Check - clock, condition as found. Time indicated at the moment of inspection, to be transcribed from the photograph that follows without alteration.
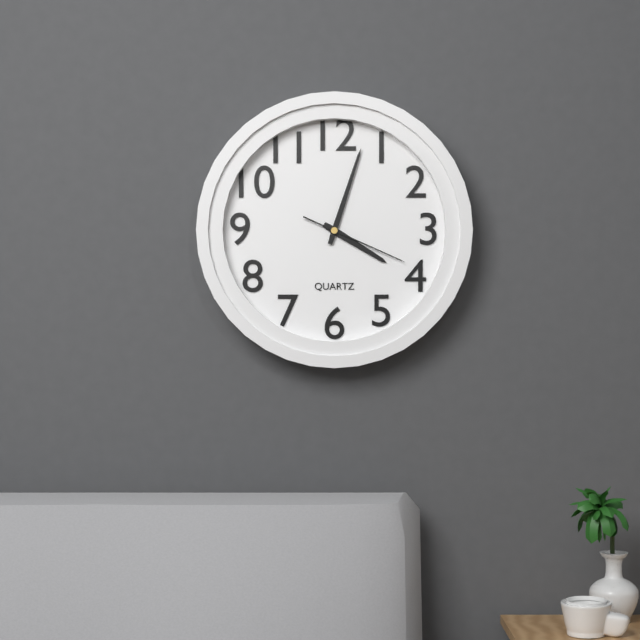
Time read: 4:03:19
